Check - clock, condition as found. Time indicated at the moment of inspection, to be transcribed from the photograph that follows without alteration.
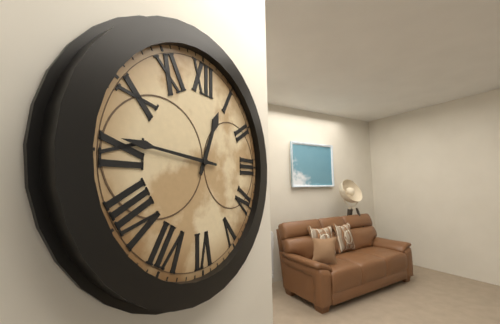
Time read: 12:46
